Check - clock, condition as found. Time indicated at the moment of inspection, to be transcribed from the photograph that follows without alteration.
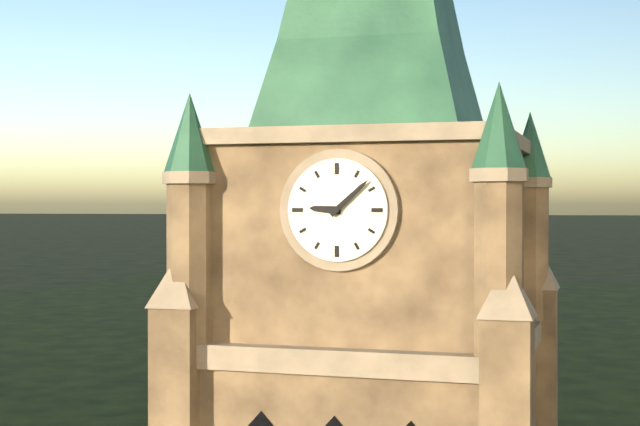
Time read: 9:08
